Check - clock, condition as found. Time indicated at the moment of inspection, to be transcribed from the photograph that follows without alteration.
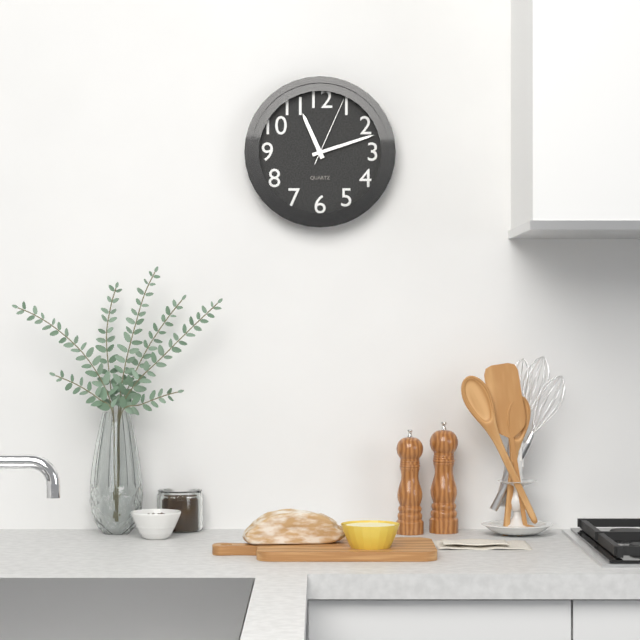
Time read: 11:12:04
